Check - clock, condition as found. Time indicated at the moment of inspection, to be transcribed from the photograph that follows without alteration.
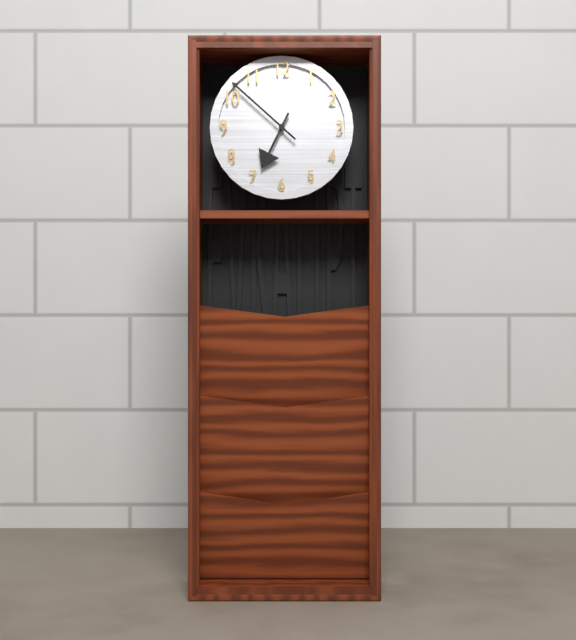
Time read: 6:52
